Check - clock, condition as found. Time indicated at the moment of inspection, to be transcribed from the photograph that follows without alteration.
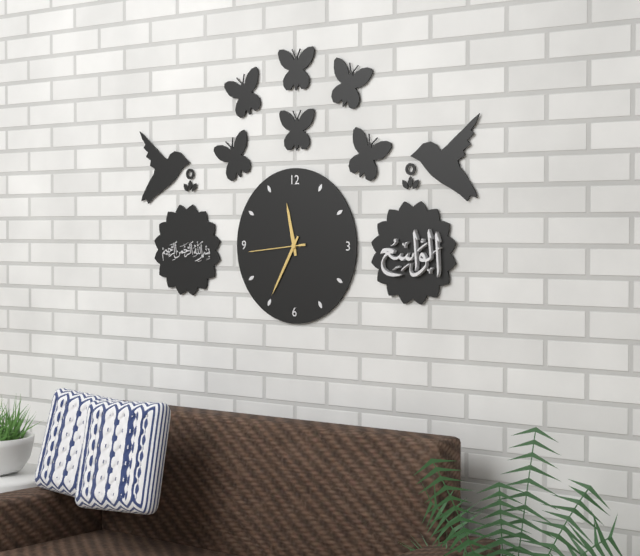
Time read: 11:35:44
